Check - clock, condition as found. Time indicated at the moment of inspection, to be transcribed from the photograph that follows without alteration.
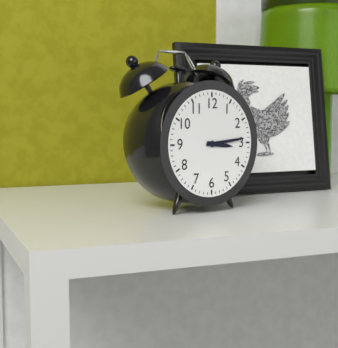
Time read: 3:14
